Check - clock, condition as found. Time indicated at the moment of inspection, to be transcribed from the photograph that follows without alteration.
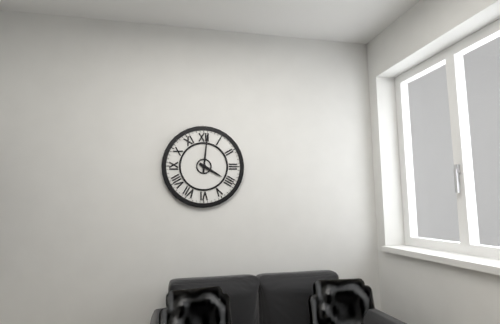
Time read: 4:01
